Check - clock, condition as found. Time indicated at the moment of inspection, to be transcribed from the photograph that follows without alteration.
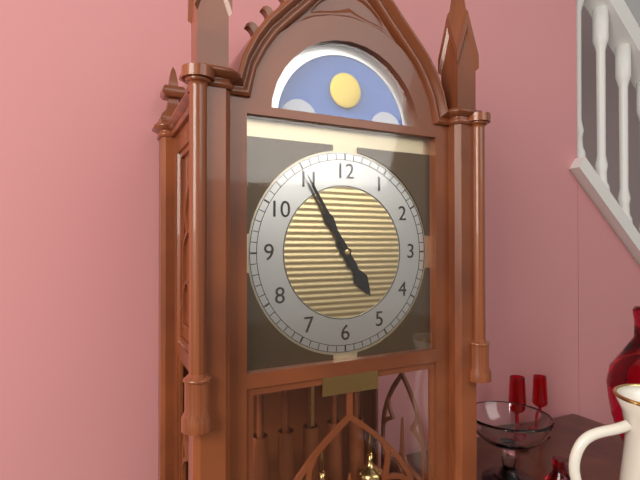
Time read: 4:55
